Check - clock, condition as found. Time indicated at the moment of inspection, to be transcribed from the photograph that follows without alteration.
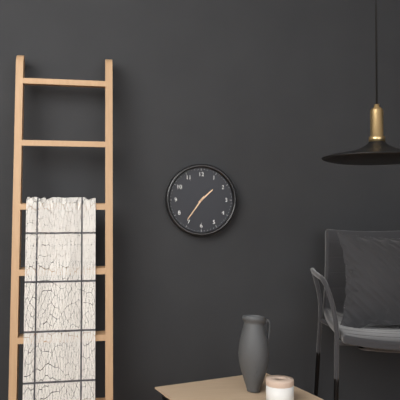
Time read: 1:36
